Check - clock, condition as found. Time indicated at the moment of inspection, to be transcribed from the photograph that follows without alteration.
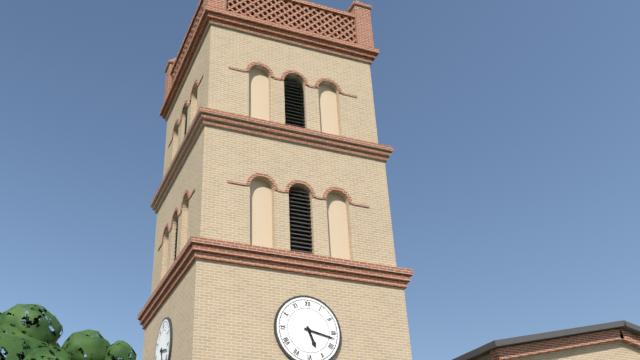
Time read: 5:17
